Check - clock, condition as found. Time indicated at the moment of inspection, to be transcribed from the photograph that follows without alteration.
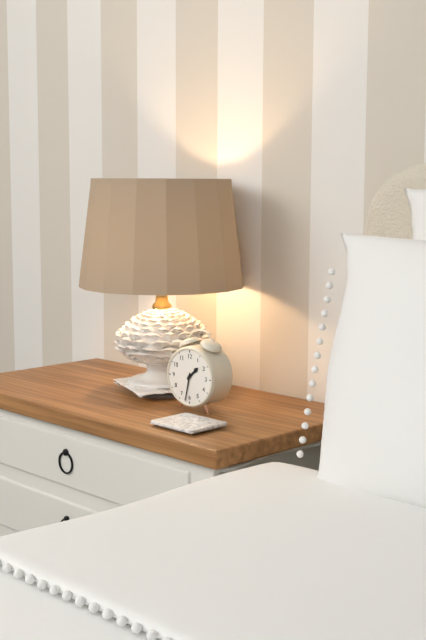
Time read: 1:32
